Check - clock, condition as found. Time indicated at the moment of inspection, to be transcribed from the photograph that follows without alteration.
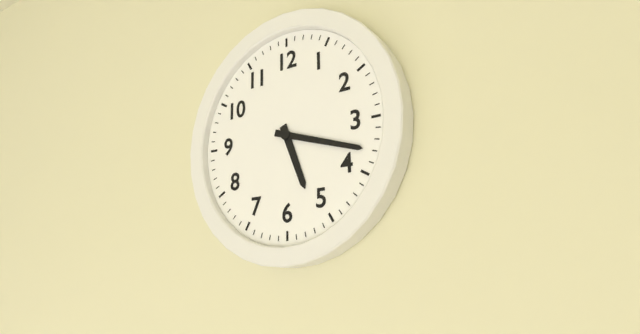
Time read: 5:18
